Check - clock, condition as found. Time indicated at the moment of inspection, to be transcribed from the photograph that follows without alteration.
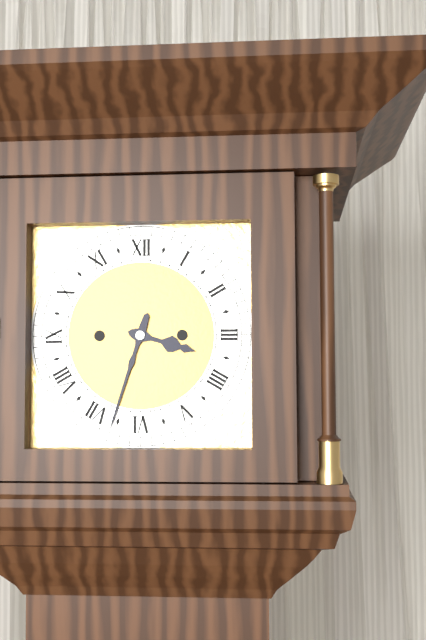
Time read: 3:33
